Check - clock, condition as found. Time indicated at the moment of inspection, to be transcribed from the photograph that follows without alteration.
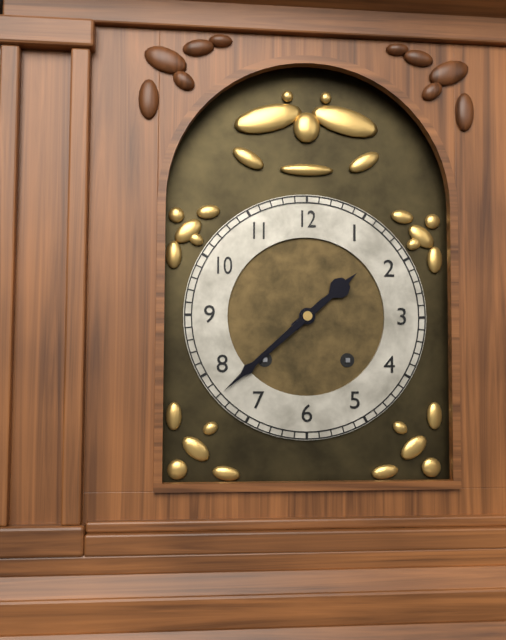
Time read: 1:38
